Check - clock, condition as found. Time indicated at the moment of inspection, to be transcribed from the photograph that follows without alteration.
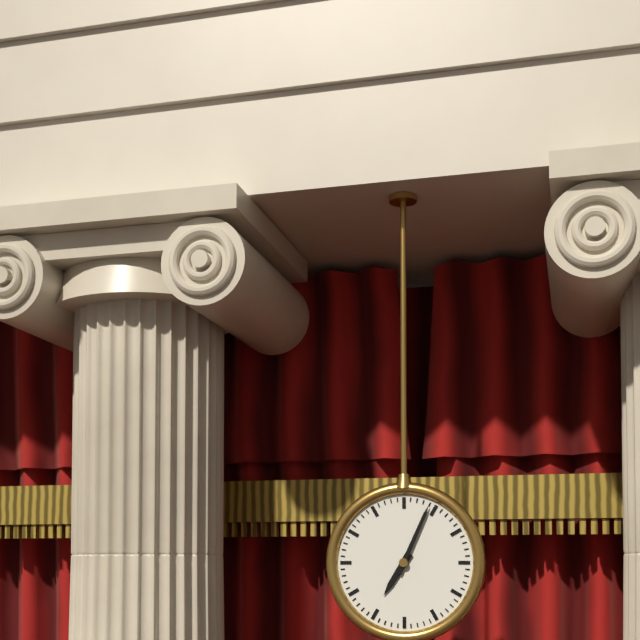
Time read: 7:04
